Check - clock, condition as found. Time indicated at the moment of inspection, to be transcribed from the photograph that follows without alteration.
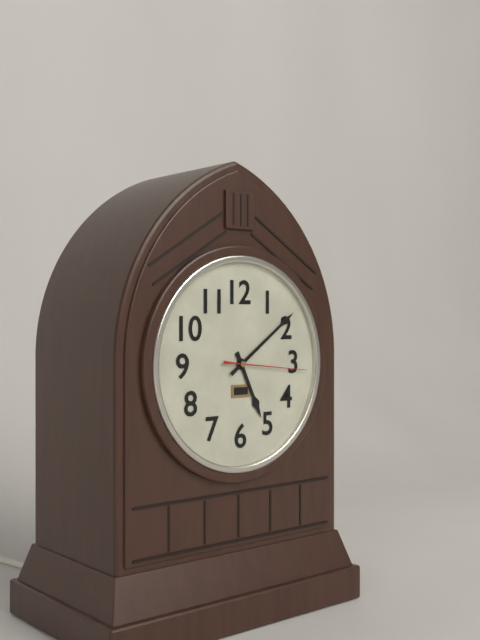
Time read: 5:09:16
